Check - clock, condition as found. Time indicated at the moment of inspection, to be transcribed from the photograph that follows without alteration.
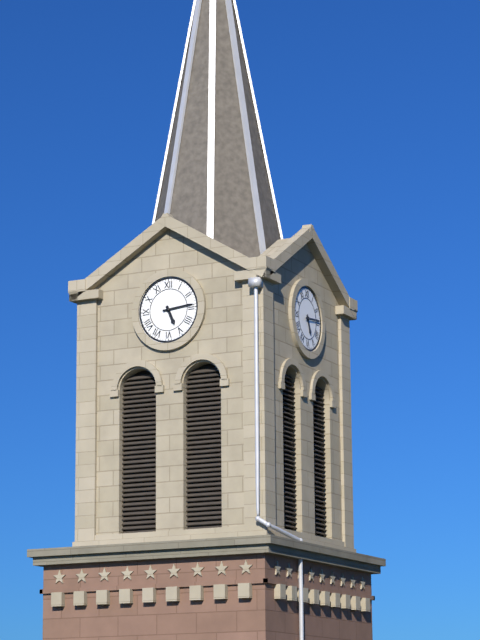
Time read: 5:14
